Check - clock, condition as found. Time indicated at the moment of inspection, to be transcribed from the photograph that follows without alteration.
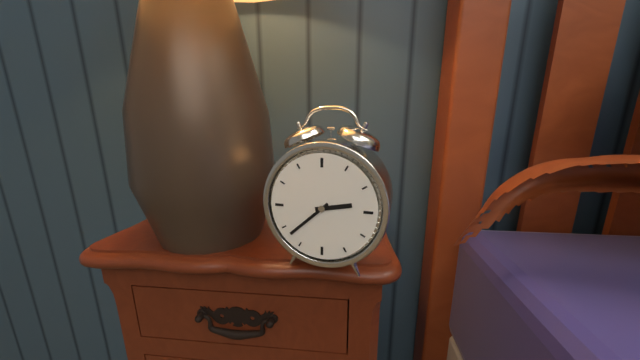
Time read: 2:38
